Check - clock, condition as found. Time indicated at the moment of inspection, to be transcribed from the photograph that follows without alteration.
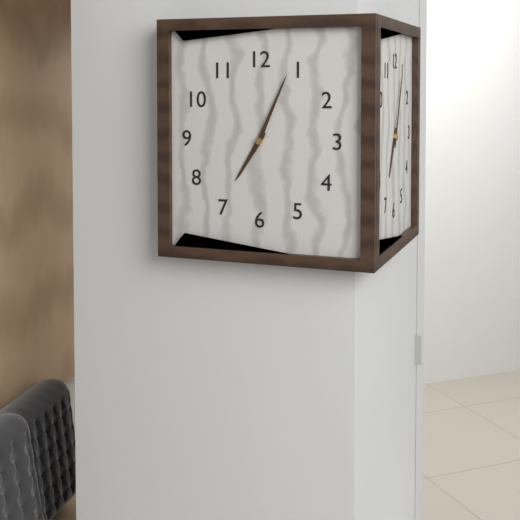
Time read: 7:04
